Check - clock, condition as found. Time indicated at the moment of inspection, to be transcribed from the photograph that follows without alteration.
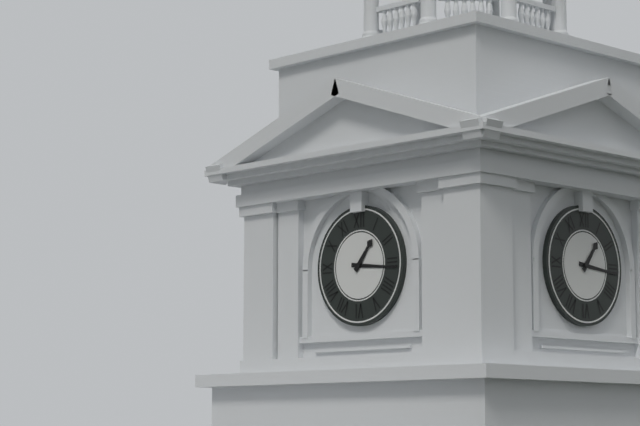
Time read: 1:16
